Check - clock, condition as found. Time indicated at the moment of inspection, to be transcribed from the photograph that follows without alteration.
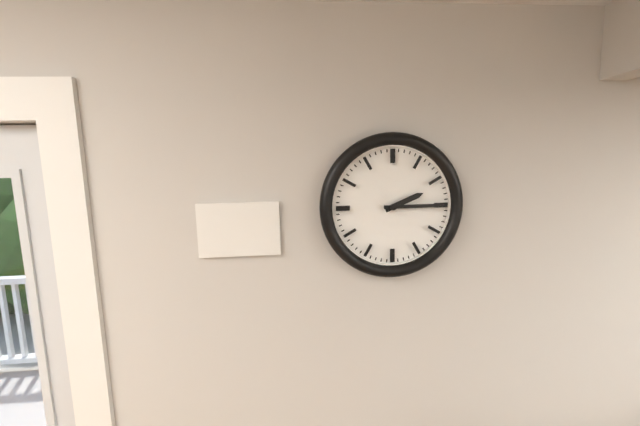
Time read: 2:15
